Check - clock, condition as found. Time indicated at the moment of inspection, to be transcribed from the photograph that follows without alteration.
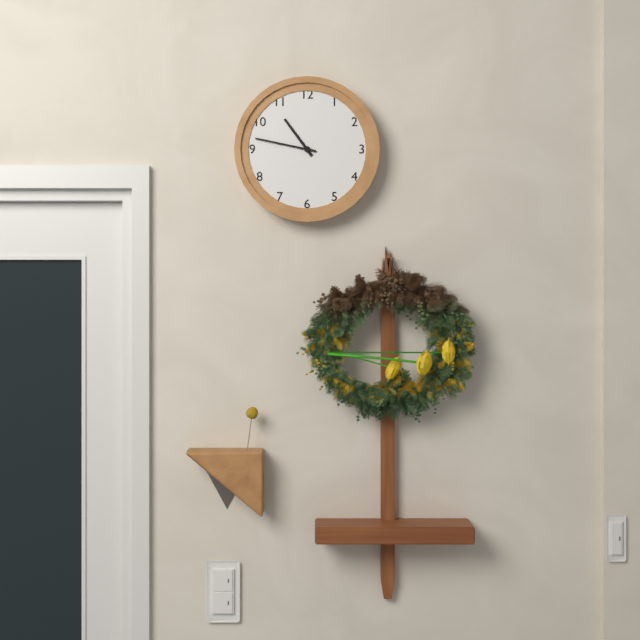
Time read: 10:47
